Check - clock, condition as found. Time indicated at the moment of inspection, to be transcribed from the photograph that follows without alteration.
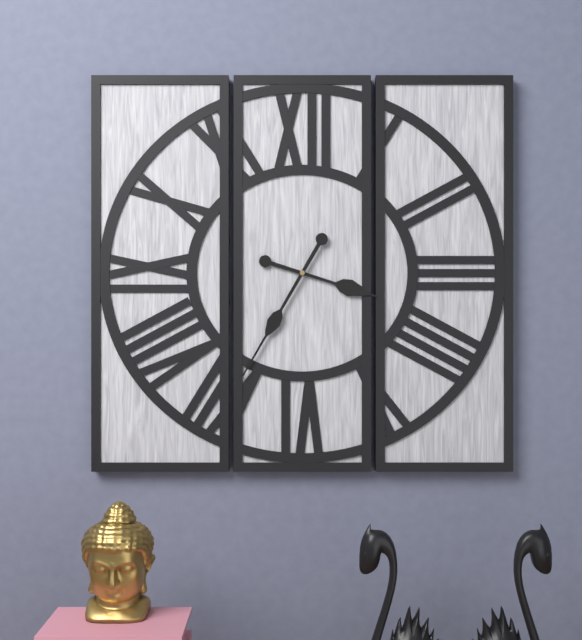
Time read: 3:35
